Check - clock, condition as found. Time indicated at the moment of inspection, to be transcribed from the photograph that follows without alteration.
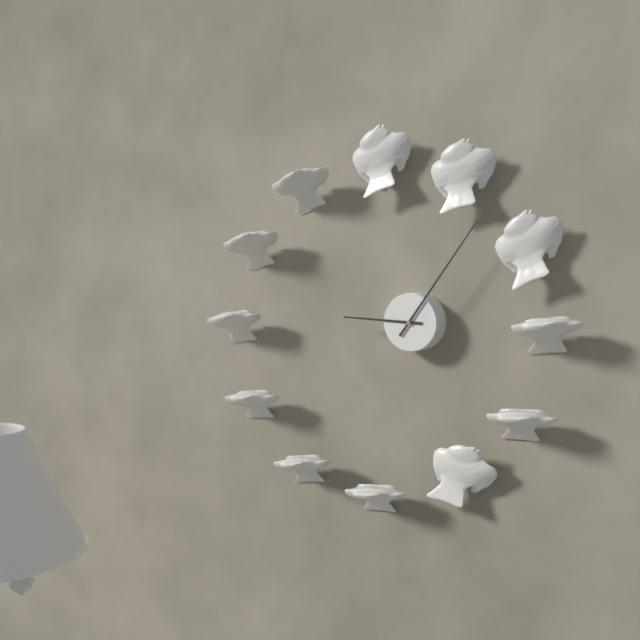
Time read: 9:06
